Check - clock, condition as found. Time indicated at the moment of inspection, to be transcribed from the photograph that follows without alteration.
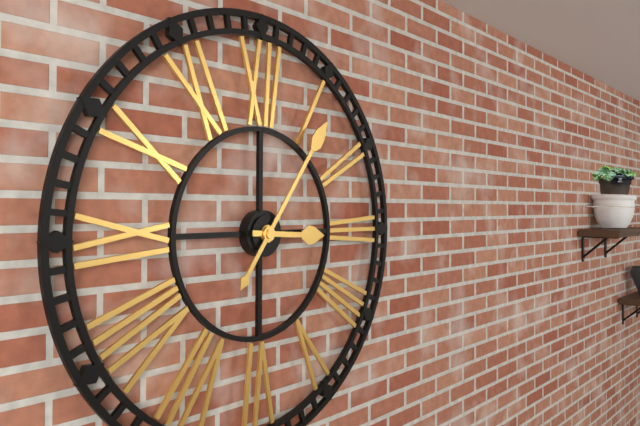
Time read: 3:06
